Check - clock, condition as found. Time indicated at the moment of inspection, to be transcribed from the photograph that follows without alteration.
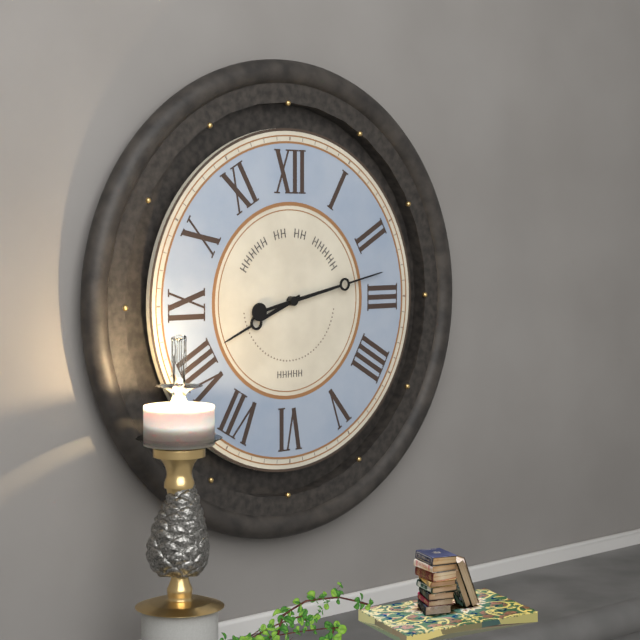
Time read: 8:13
